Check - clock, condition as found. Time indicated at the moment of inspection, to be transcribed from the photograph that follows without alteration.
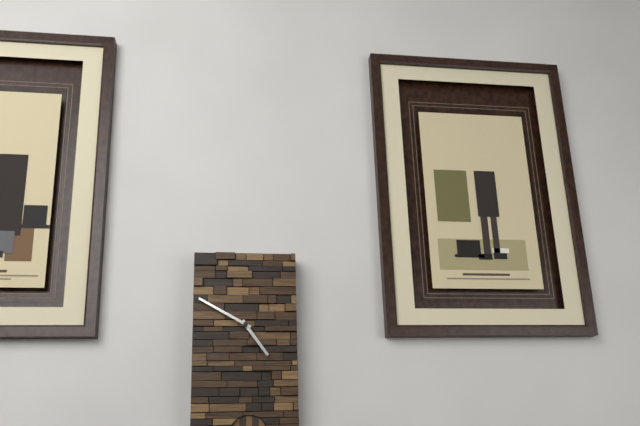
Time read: 4:50
